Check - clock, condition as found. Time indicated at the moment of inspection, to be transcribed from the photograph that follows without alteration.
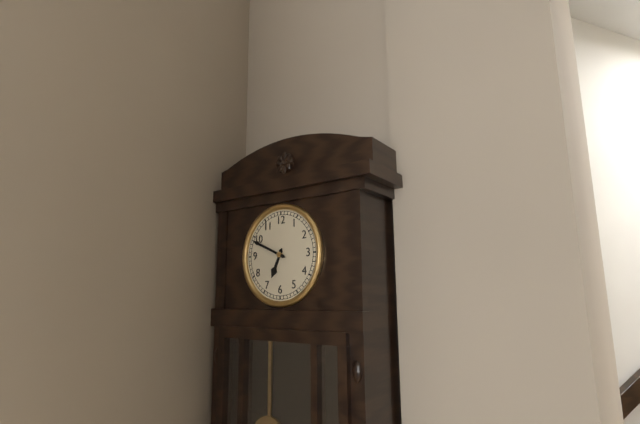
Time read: 6:49
